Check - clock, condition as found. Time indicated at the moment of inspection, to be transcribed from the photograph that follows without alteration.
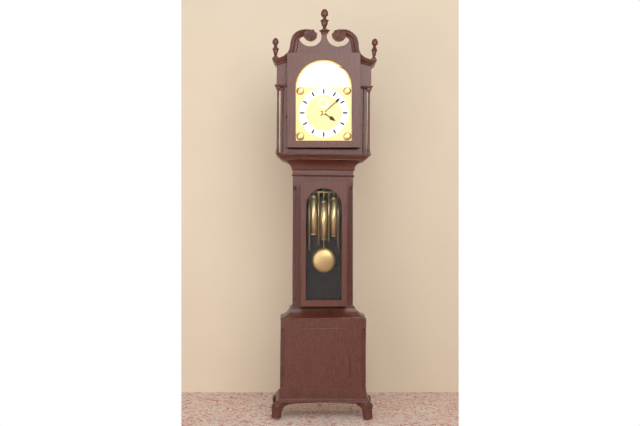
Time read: 4:08
